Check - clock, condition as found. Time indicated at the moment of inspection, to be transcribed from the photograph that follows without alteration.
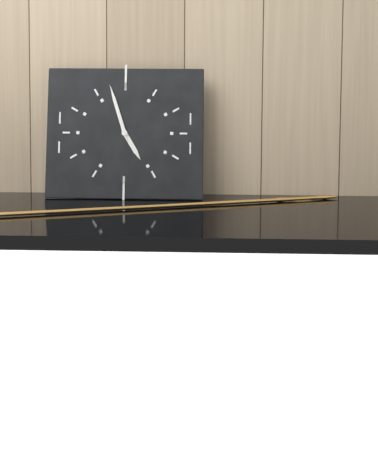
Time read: 4:57
